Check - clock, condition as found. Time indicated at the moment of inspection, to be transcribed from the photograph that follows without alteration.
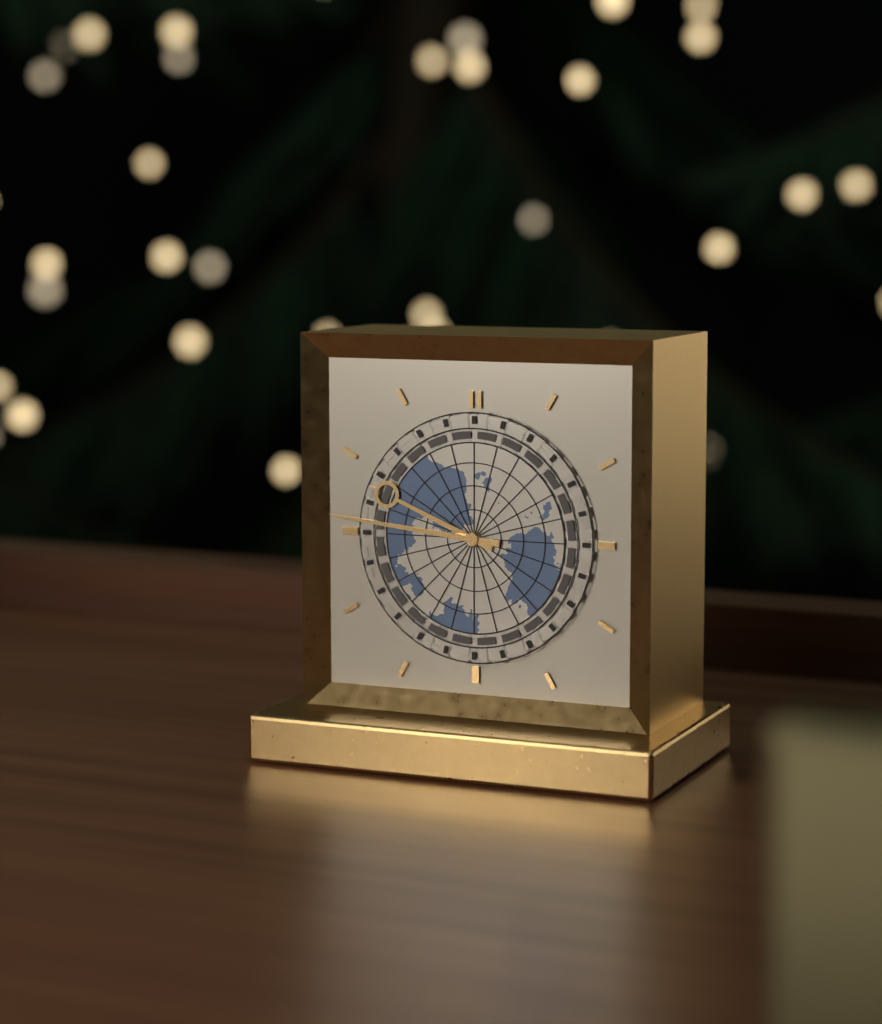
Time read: 9:46
